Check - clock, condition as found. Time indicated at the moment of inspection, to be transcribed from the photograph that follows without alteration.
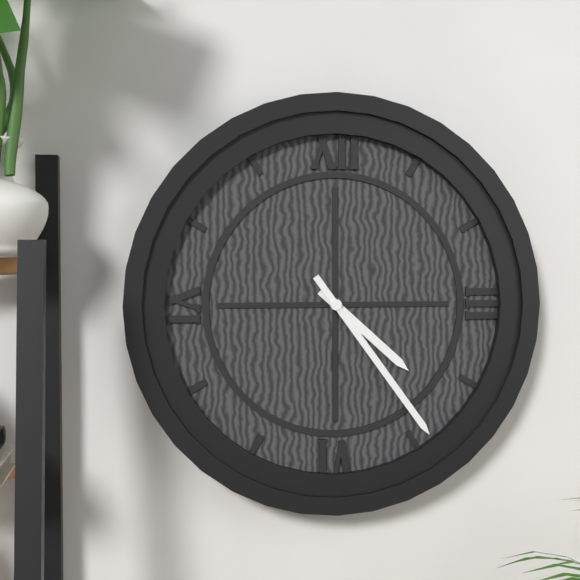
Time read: 4:24
